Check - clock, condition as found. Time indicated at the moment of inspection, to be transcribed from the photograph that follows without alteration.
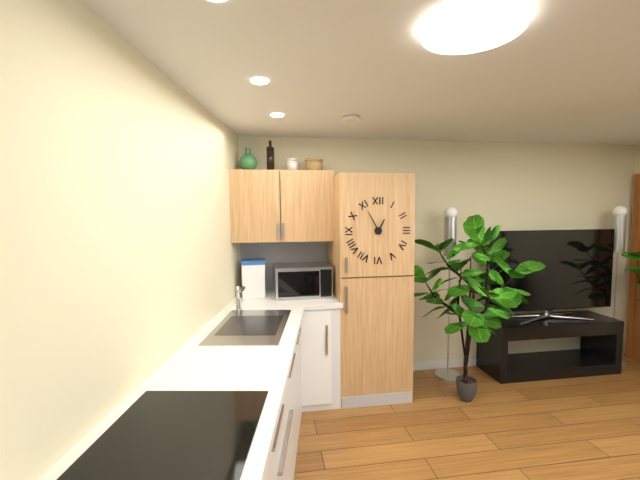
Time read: 12:55
